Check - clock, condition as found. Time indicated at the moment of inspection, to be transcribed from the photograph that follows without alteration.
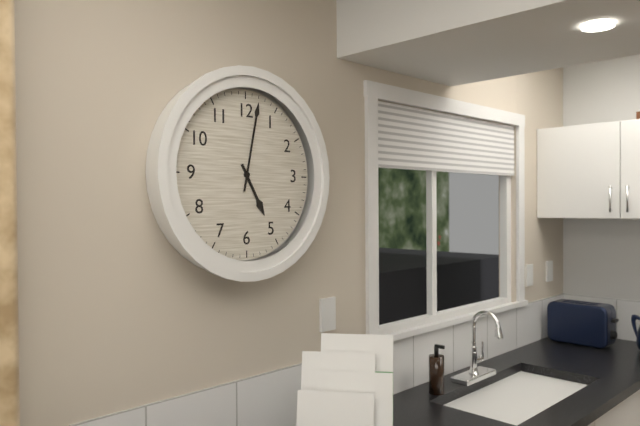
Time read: 5:02
